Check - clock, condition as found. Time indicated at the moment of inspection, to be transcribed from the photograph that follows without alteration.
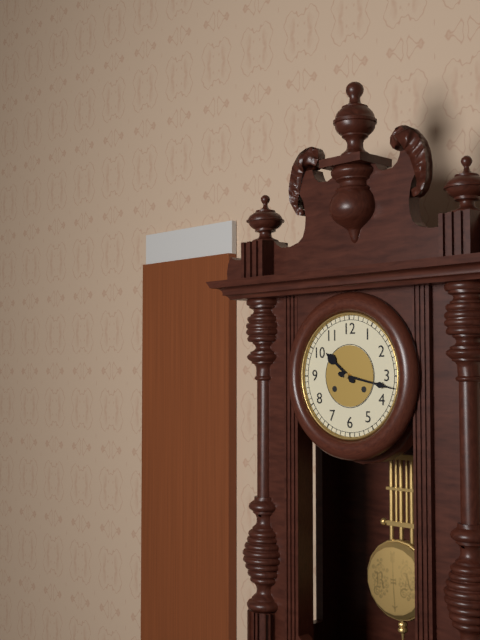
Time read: 10:17
